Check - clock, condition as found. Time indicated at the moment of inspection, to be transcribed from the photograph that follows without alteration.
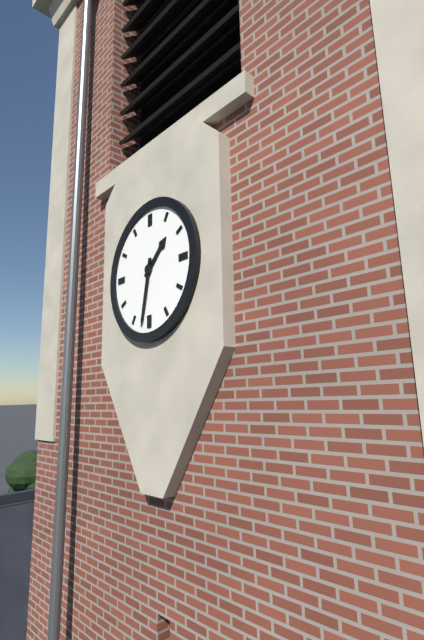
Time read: 1:32
